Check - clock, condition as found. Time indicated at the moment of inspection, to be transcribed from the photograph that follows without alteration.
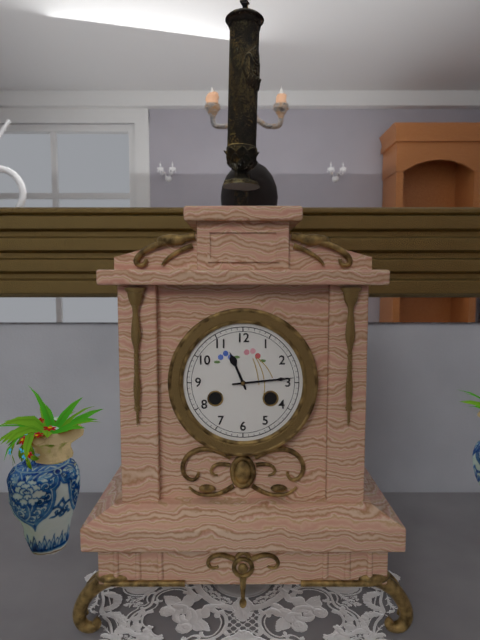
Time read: 11:14
